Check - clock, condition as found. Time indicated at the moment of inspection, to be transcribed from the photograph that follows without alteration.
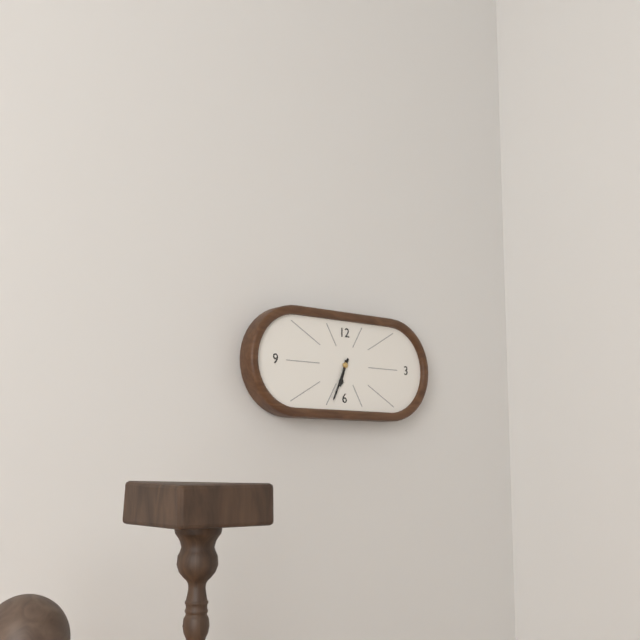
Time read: 6:34
